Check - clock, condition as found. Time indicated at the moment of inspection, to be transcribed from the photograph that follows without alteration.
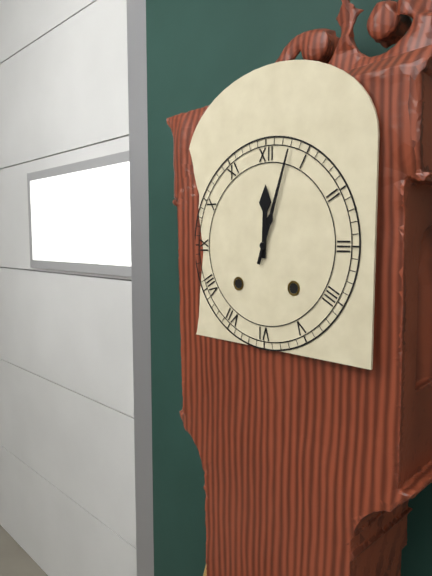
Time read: 12:03
